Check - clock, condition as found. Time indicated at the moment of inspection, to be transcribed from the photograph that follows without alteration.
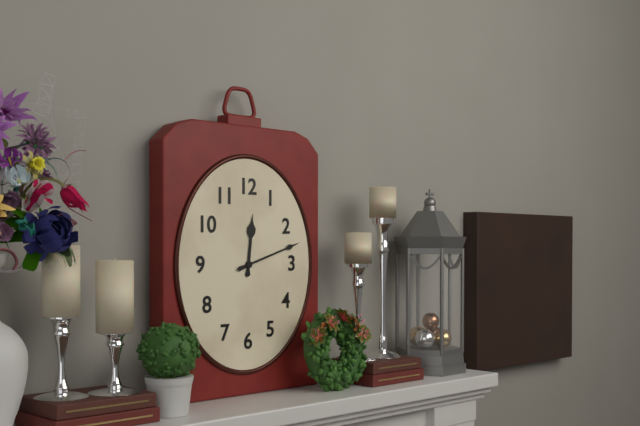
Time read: 12:12
